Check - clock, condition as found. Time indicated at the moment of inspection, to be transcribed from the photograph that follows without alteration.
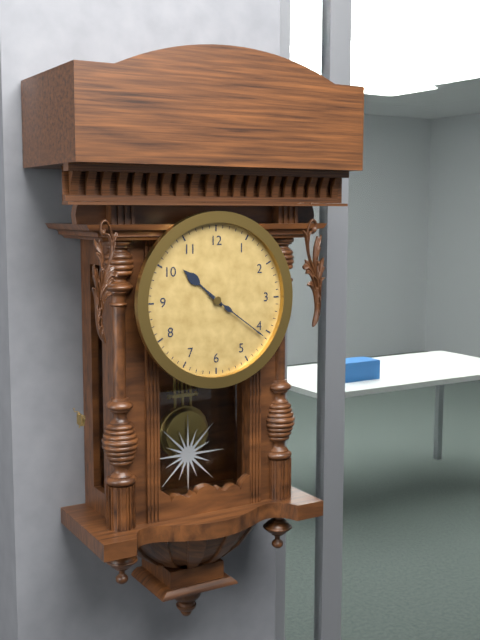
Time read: 10:21
